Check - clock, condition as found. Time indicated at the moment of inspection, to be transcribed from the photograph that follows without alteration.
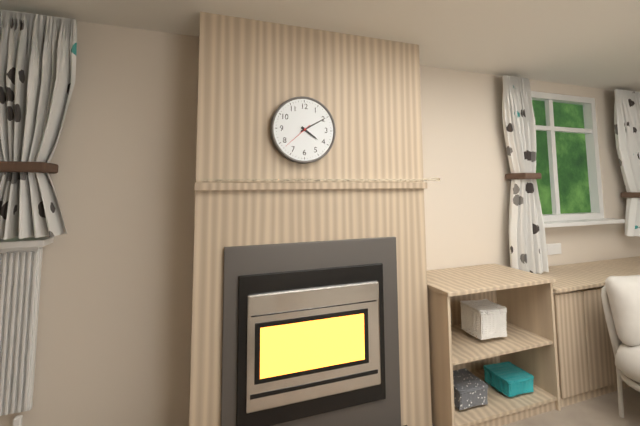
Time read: 4:10
